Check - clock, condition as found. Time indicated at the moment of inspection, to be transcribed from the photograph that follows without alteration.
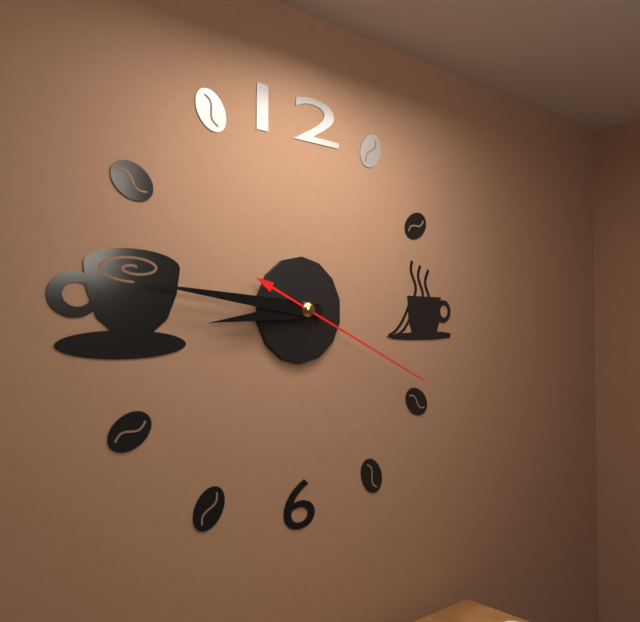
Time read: 8:46:19
